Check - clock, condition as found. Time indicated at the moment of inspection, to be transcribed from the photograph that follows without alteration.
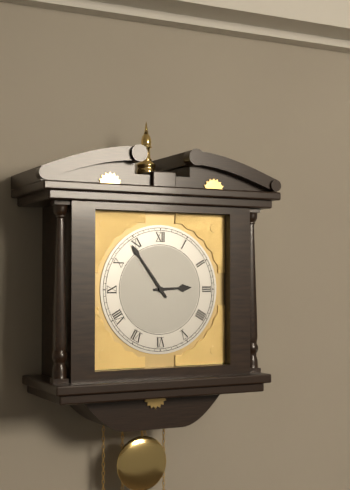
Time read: 2:54
